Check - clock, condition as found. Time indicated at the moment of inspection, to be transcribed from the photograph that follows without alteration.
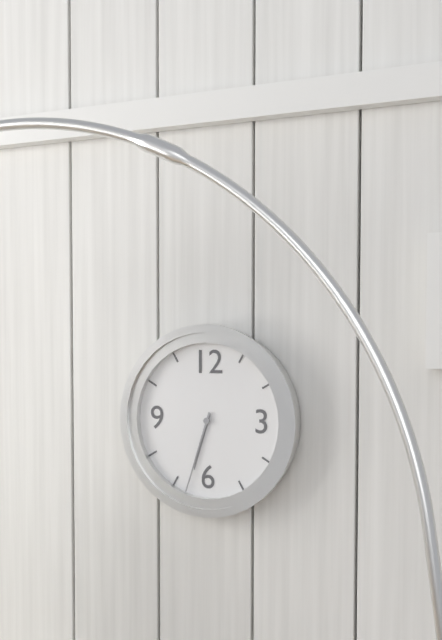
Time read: 6:33
